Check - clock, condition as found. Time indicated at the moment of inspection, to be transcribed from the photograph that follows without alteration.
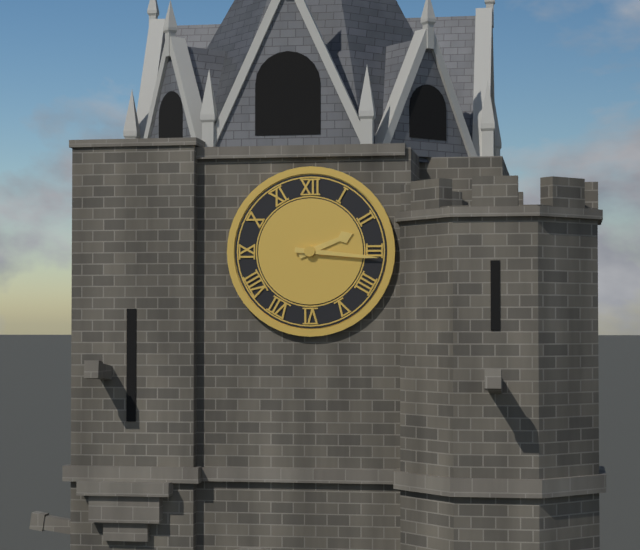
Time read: 2:16
